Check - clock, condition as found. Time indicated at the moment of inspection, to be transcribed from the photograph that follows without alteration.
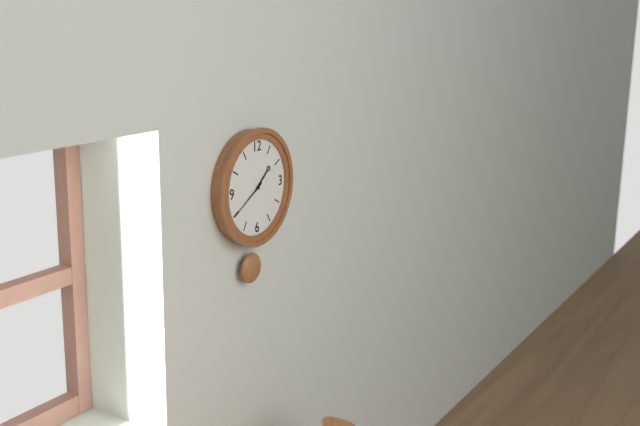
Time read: 1:40
